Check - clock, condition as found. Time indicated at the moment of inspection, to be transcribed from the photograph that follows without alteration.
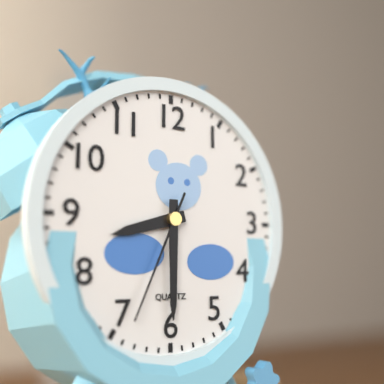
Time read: 8:30:34
